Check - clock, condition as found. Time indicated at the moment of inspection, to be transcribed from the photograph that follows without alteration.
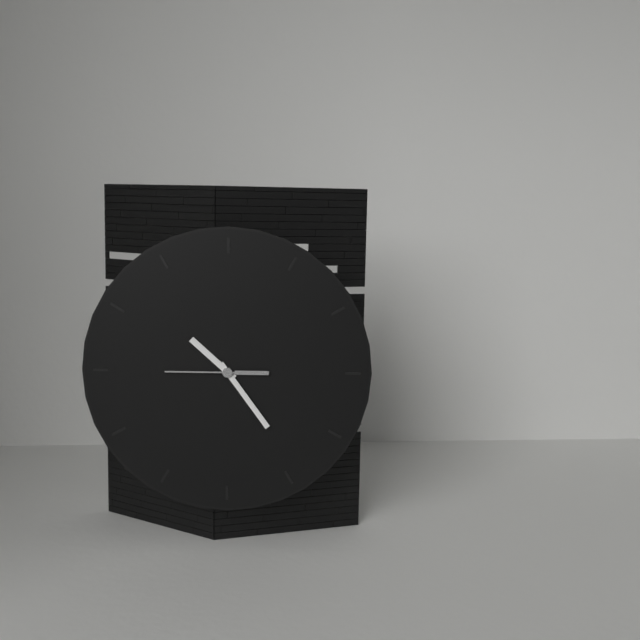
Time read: 10:24:45
